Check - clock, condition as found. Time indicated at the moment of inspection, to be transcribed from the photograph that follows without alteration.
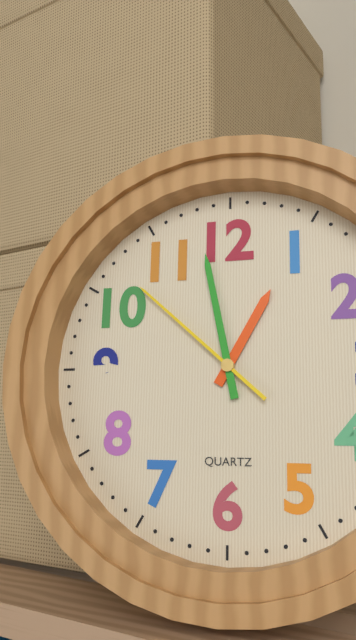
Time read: 12:58:52
